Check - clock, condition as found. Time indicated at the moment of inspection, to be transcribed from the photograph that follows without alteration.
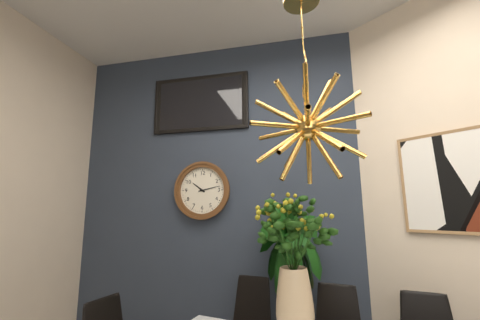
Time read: 10:13
